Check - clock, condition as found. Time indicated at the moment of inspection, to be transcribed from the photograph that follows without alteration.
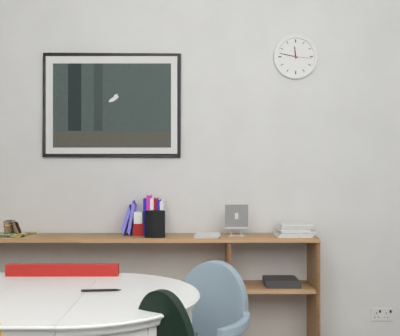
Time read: 11:47
